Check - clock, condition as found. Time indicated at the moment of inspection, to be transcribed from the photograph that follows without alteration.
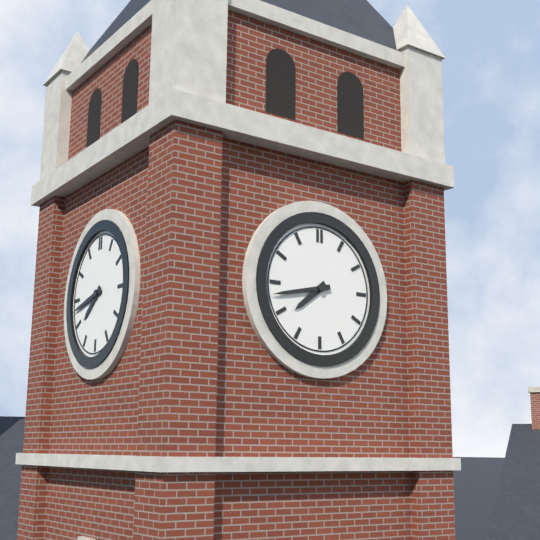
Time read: 7:43
